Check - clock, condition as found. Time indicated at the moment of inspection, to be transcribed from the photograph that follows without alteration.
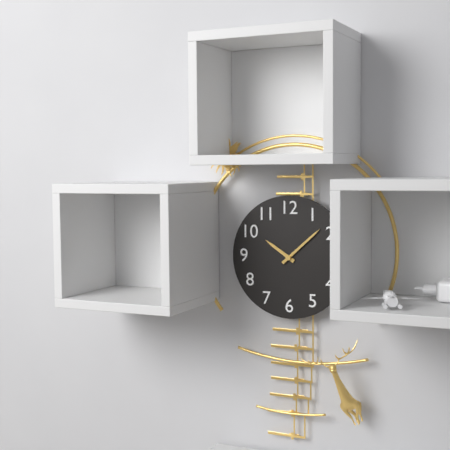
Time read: 10:08
